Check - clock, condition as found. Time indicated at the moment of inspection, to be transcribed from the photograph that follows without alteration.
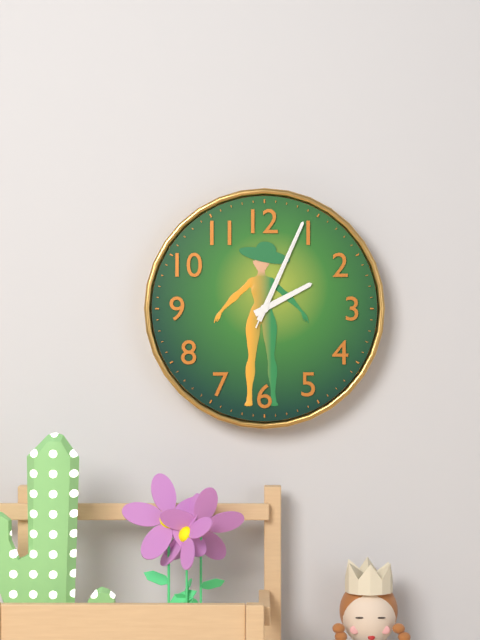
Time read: 2:04:04
